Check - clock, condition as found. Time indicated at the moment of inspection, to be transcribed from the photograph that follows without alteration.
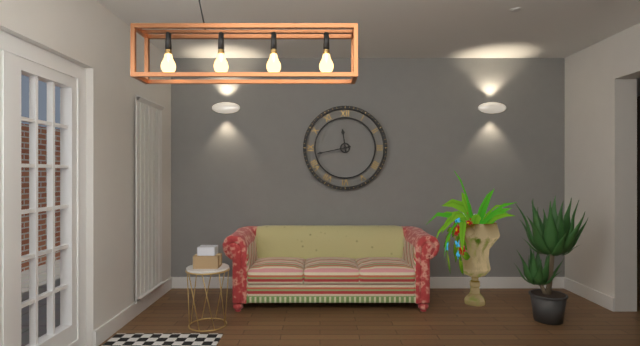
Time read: 11:43
